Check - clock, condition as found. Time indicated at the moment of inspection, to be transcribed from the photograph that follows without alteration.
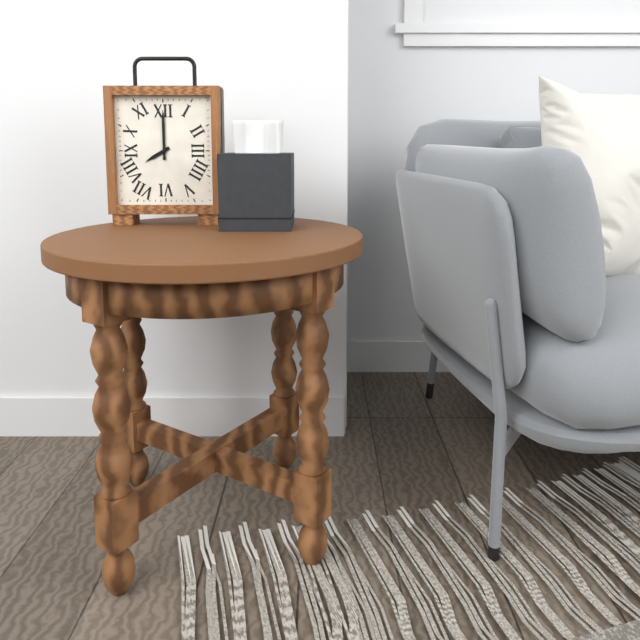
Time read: 8:00
